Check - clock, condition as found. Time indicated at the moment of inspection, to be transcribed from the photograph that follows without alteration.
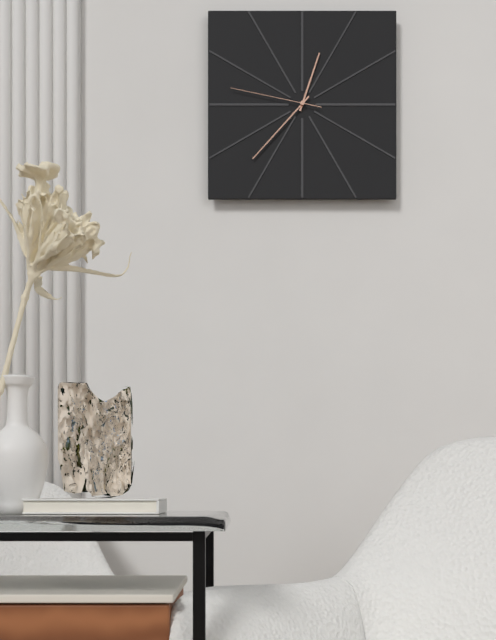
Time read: 12:37:47
